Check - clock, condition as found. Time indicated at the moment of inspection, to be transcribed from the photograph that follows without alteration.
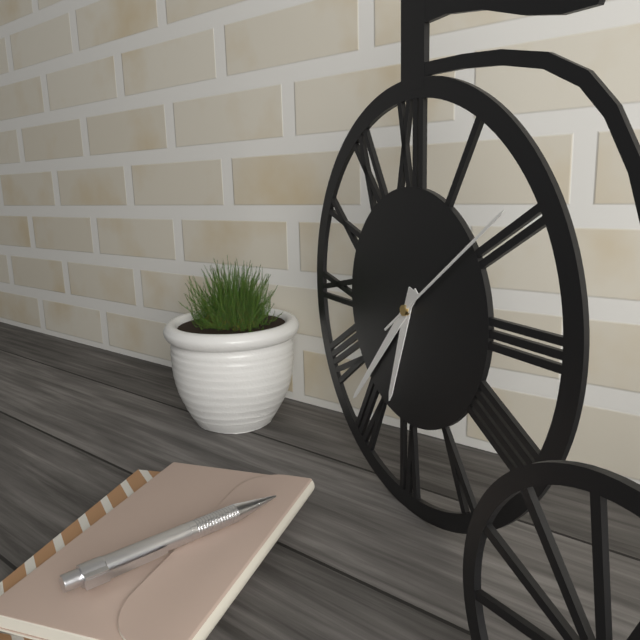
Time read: 6:37:09
